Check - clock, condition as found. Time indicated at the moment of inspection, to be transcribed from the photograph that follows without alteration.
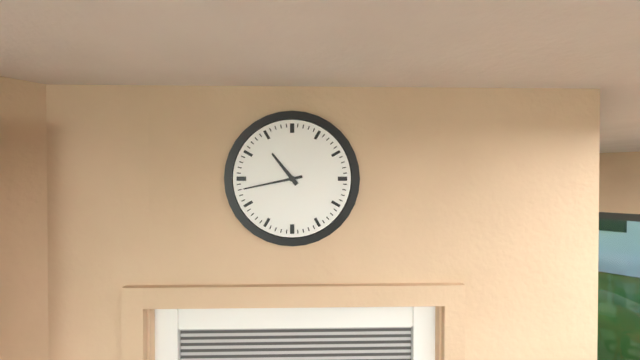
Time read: 10:43
